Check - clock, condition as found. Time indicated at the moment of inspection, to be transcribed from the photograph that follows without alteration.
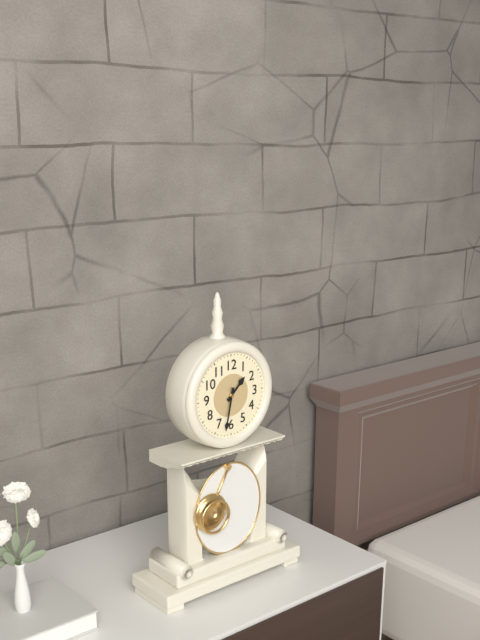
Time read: 1:32
